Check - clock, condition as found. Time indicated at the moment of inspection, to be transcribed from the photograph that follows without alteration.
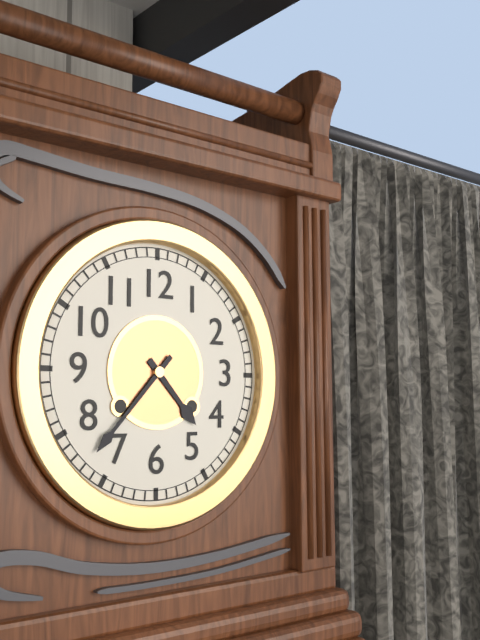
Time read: 4:37
